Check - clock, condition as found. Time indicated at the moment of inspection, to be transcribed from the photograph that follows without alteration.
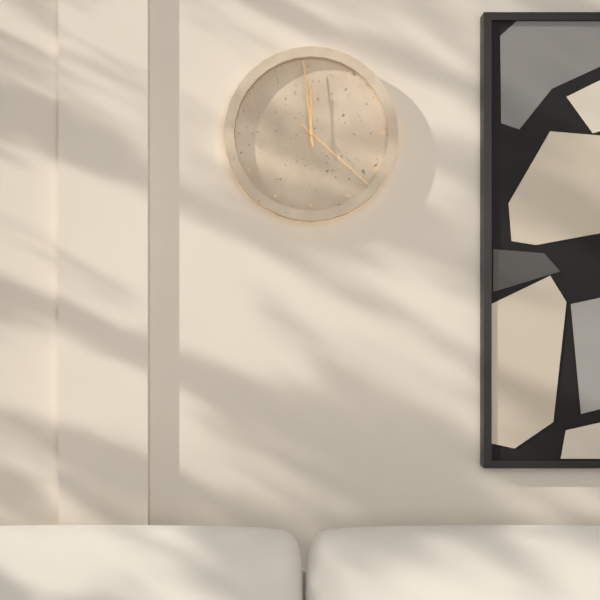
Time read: 11:59:22
